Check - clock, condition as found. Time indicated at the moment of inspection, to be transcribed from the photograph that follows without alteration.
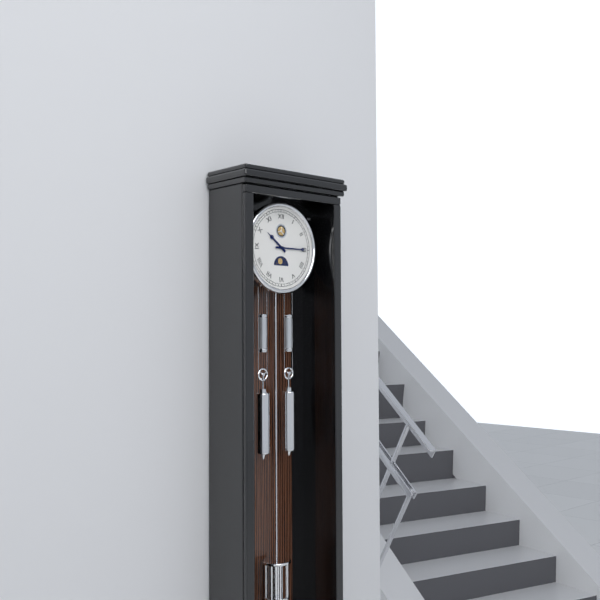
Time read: 10:15
